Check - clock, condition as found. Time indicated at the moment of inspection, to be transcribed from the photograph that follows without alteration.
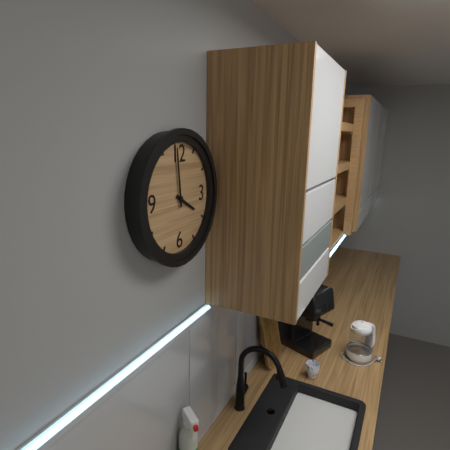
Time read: 3:59
